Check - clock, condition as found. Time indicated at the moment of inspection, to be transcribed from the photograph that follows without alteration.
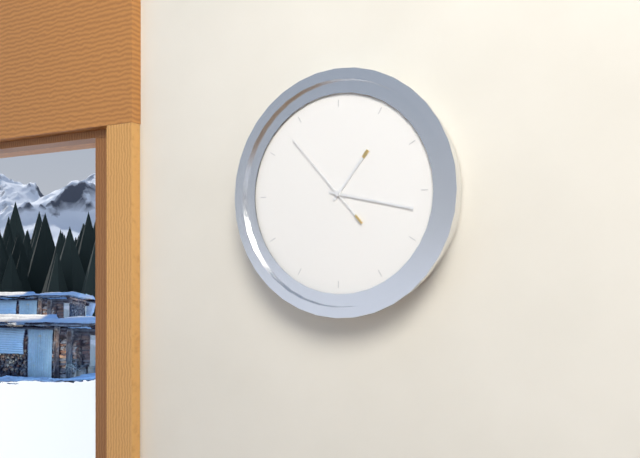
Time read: 1:17:53
